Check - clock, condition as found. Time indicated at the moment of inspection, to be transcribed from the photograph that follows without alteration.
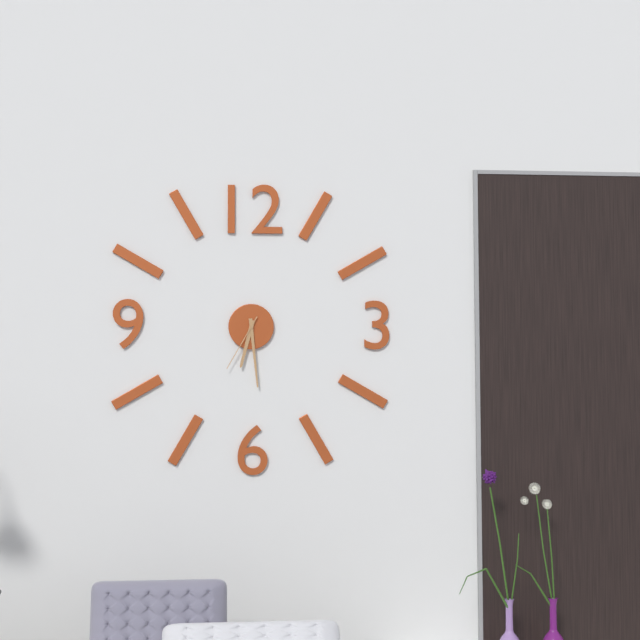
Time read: 6:29:35
